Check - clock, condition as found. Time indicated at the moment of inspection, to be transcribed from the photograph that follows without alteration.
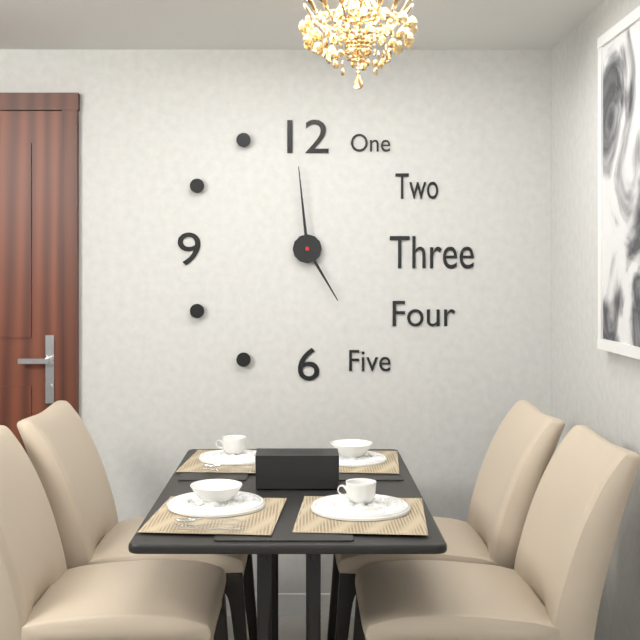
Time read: 4:59
